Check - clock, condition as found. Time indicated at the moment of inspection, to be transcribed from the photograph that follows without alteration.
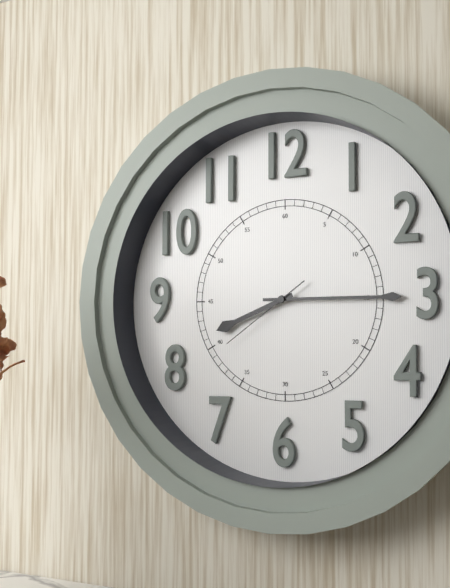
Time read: 8:15:39
